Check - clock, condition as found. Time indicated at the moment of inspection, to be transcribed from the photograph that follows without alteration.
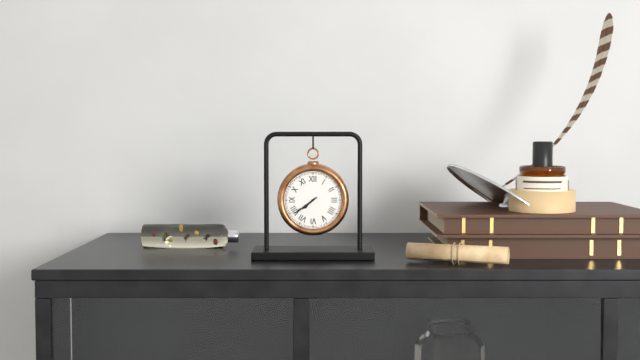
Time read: 7:39
